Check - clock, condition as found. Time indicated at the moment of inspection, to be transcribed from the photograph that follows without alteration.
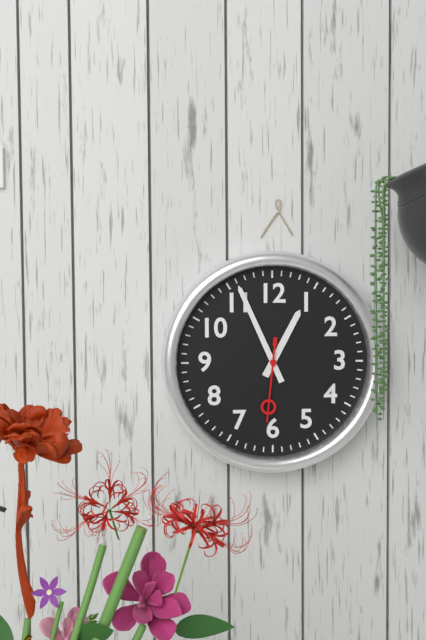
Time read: 12:56:31
